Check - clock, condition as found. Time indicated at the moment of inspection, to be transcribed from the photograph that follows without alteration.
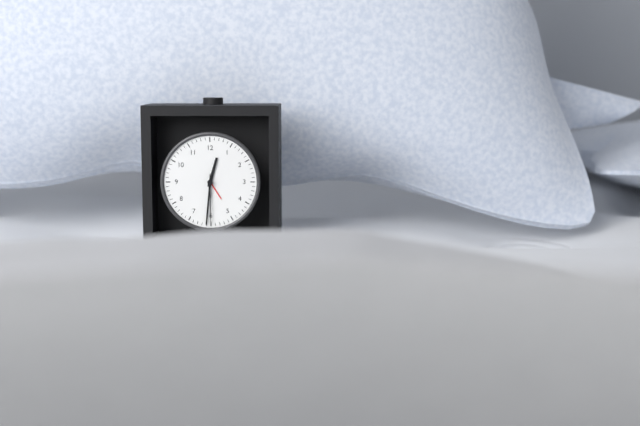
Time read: 12:31:30
